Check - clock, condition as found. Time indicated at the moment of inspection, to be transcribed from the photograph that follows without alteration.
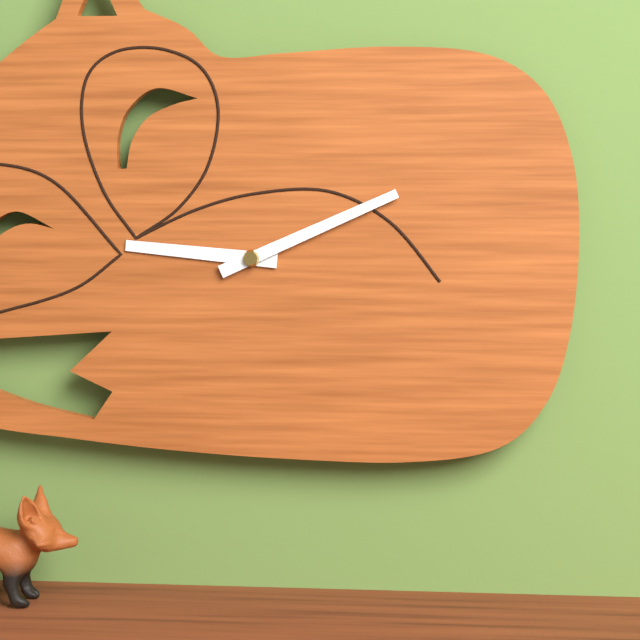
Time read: 9:11
